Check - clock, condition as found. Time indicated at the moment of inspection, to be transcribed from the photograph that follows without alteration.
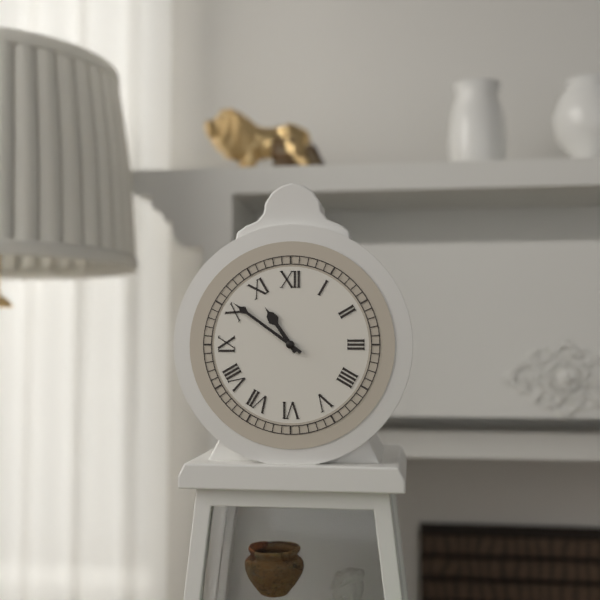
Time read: 10:51
